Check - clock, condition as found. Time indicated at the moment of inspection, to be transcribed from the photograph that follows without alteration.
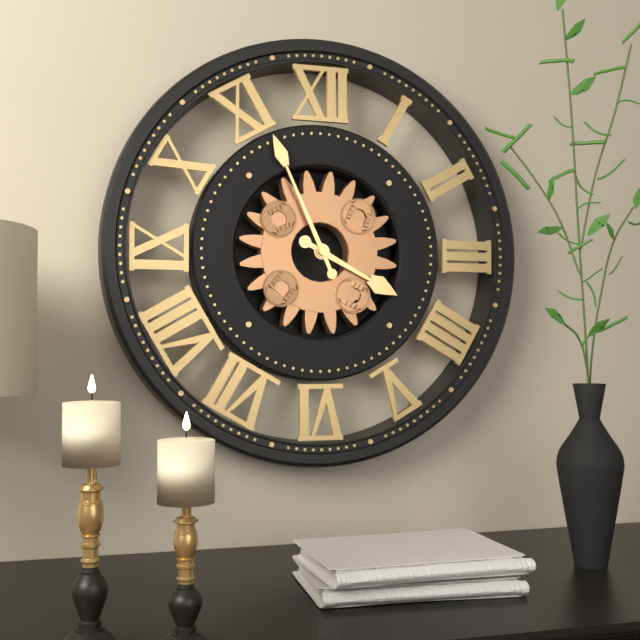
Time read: 3:56
